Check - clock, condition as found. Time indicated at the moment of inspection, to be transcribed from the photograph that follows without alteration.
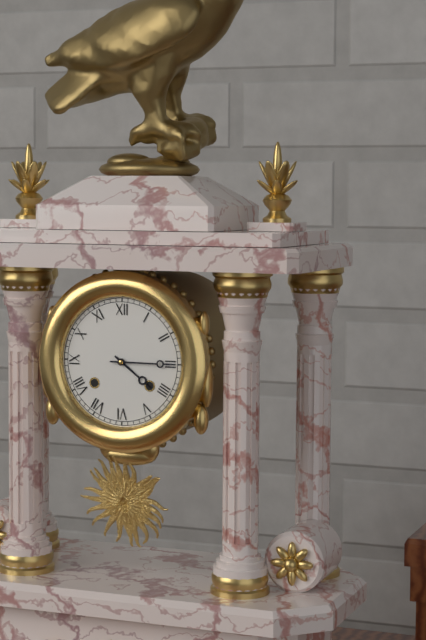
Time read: 4:15
